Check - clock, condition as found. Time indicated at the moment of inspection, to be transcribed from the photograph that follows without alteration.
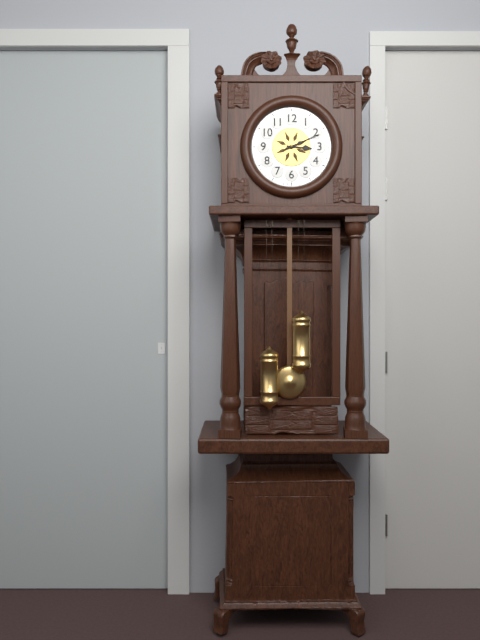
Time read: 3:11
